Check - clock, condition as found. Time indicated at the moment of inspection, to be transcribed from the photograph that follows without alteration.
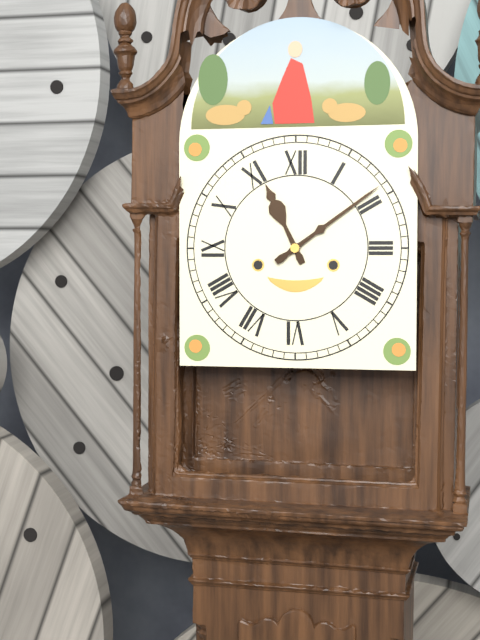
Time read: 11:09
